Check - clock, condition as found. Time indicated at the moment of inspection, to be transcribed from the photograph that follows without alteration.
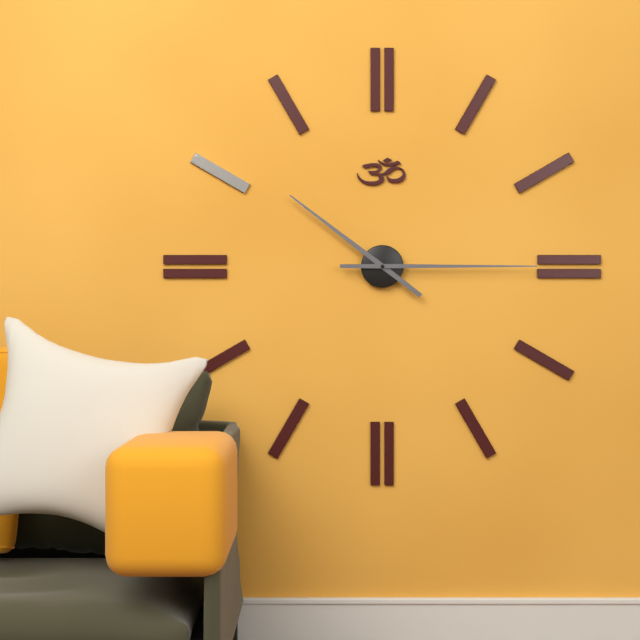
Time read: 10:15
